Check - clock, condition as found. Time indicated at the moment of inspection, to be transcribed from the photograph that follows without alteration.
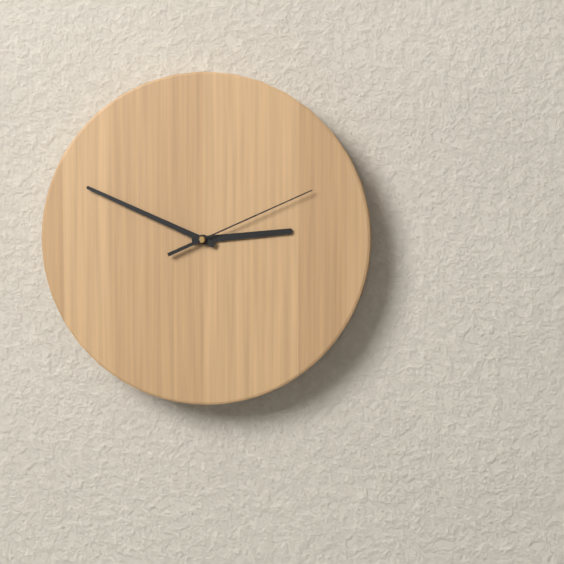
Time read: 2:49:11
